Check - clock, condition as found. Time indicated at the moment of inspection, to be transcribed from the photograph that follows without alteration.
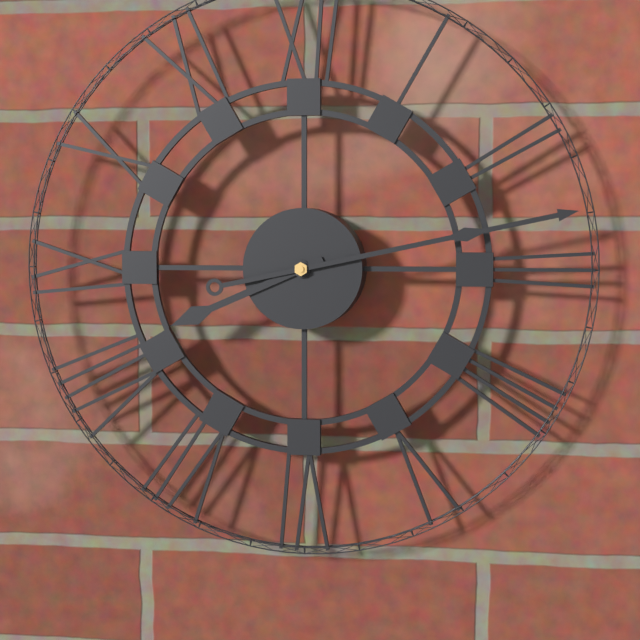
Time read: 8:13
